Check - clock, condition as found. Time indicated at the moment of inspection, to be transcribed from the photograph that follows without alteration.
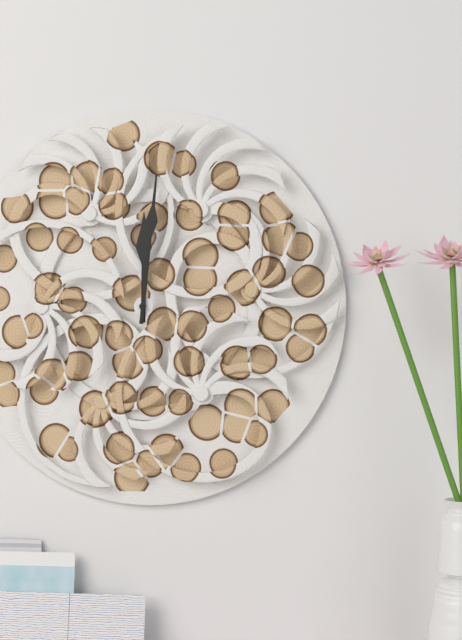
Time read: 12:01
